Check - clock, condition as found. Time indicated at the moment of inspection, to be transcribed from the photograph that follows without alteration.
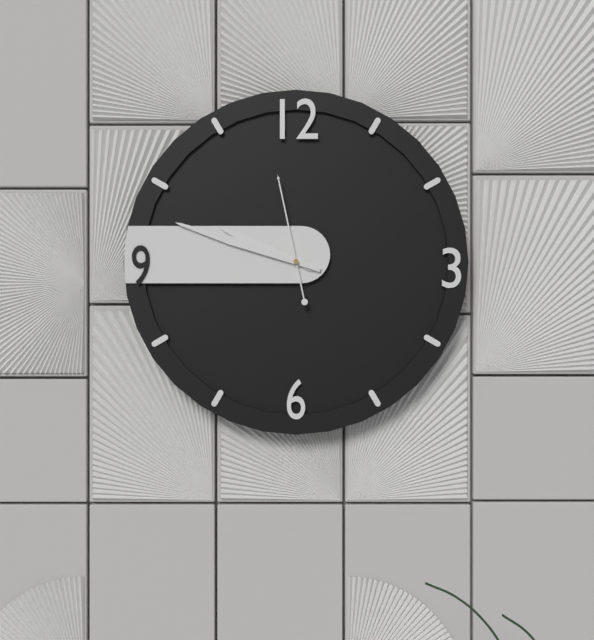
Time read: 9:48:58
